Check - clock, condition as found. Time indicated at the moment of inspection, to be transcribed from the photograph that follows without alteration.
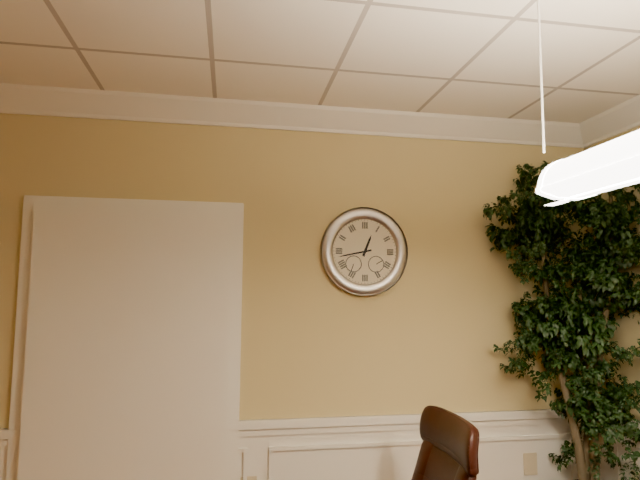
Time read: 12:43
